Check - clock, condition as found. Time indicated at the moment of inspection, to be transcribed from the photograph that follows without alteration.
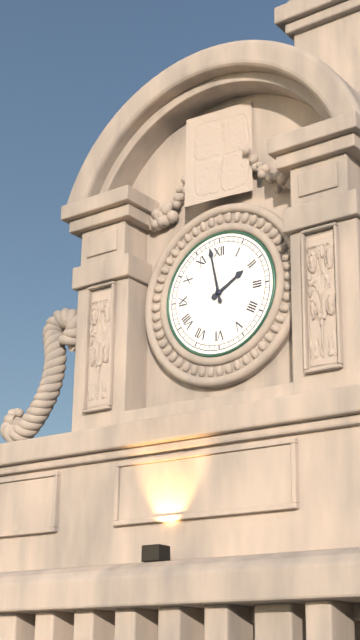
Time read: 1:58
